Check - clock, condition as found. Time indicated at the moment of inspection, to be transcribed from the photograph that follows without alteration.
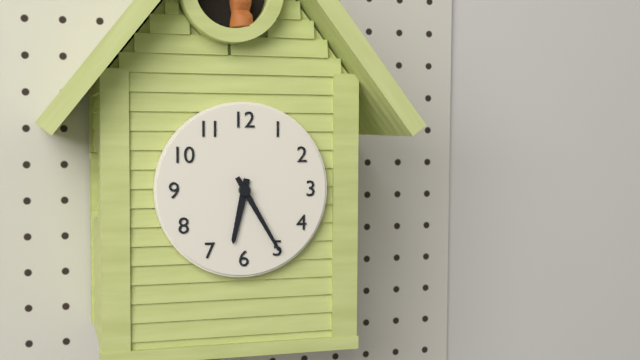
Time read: 6:25
